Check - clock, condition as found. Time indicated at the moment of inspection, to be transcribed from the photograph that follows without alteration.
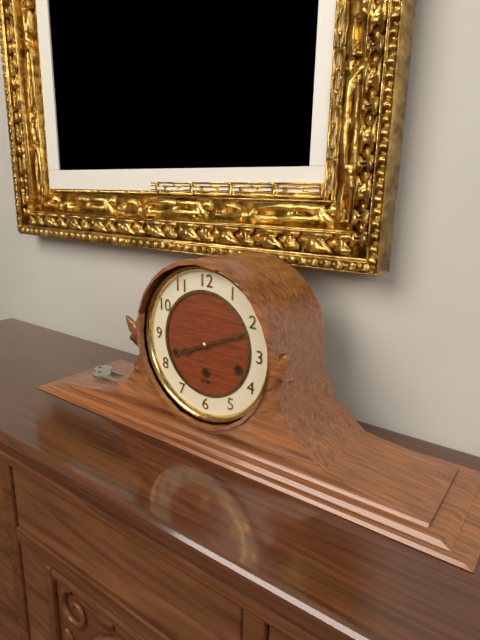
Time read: 8:11
